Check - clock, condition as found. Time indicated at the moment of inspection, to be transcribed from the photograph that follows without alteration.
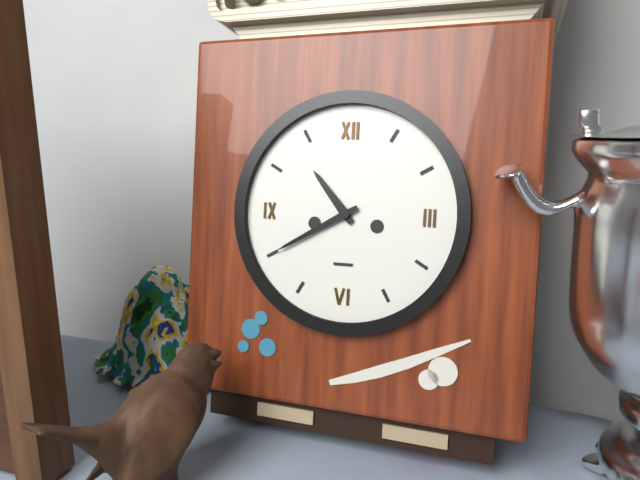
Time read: 10:40
